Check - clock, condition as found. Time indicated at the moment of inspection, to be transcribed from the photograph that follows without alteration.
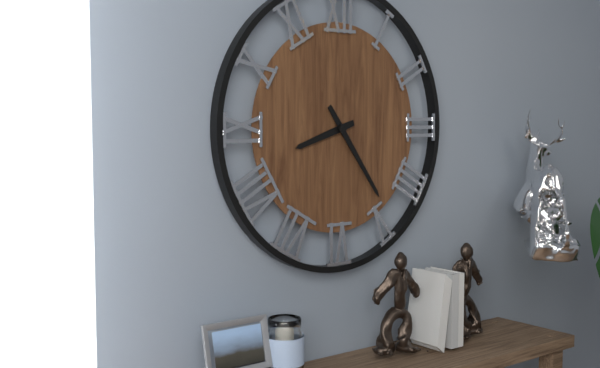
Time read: 8:24
